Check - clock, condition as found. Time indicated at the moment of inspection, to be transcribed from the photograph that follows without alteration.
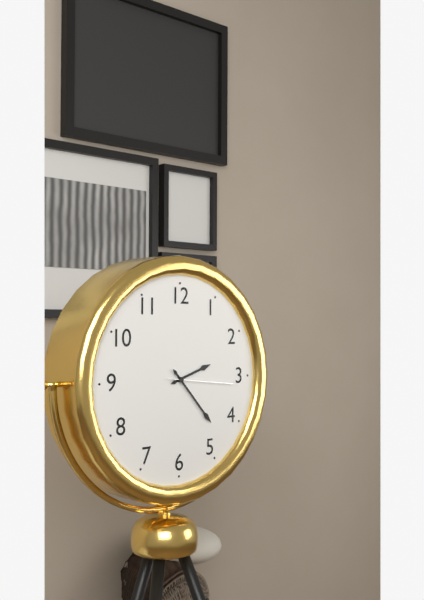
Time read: 2:23:16
